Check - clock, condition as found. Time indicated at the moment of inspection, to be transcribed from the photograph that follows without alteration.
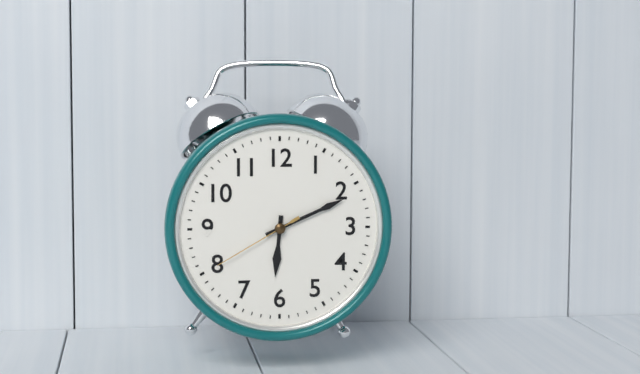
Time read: 6:11:40
